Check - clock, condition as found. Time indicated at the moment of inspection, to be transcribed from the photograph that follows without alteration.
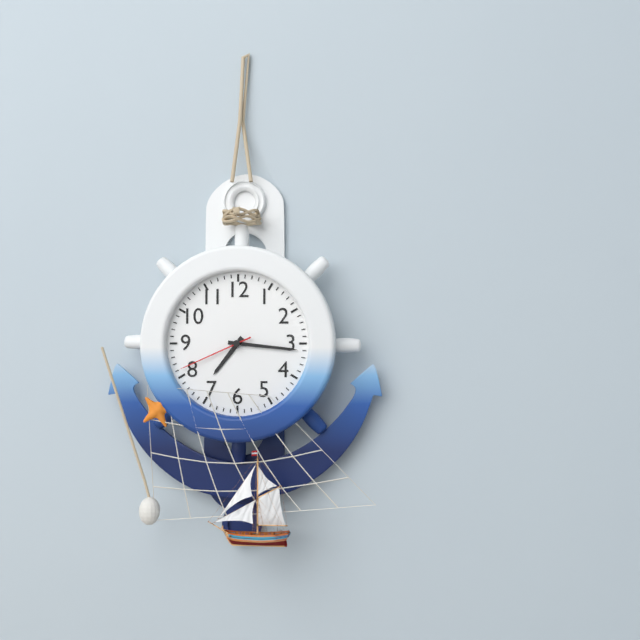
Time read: 7:16:41
